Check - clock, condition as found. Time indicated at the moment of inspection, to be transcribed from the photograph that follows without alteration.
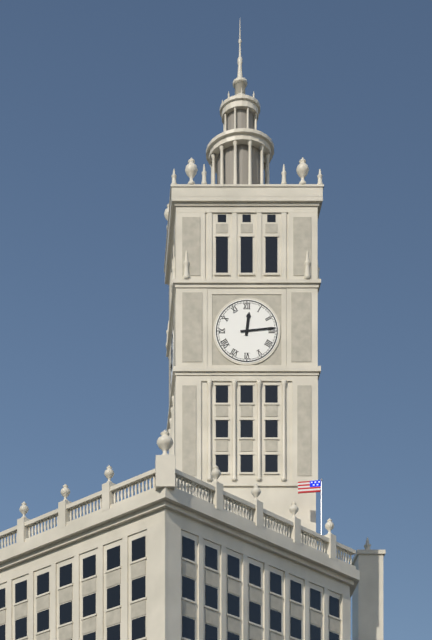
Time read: 12:14
